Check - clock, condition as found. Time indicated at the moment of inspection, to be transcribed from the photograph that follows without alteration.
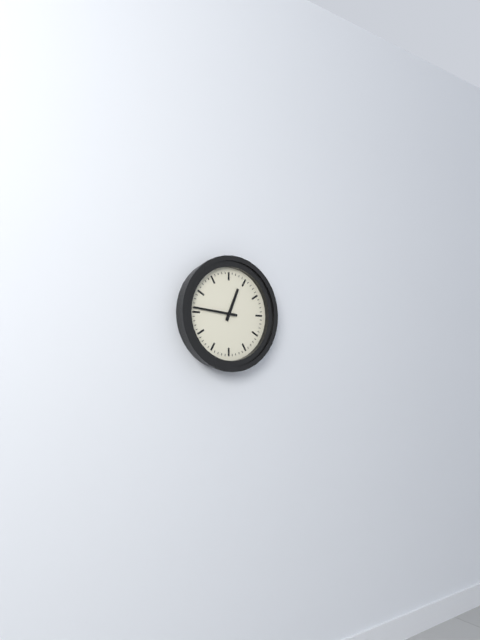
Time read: 12:46
